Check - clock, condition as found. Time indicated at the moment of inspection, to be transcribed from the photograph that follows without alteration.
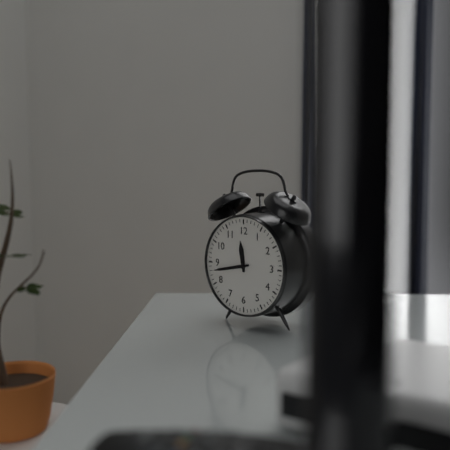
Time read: 11:43
